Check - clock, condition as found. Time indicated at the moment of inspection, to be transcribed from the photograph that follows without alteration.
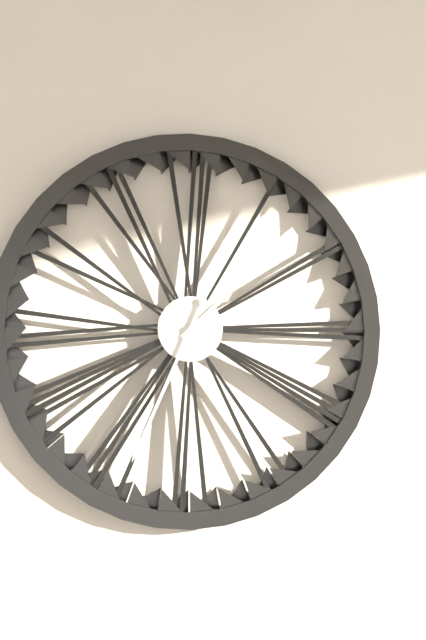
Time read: 1:34
